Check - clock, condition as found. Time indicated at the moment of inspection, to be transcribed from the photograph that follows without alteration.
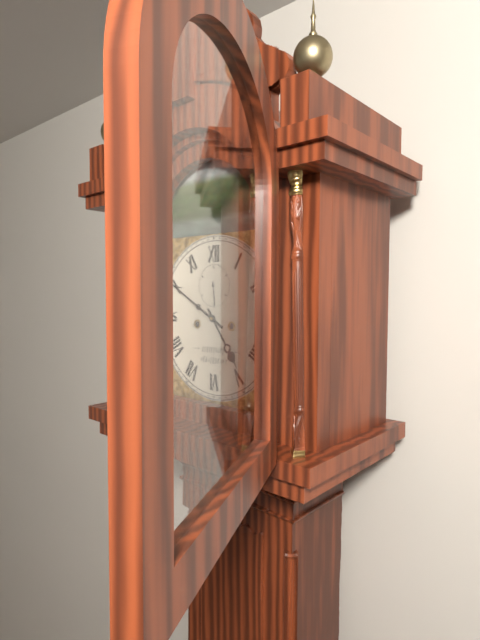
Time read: 4:50
